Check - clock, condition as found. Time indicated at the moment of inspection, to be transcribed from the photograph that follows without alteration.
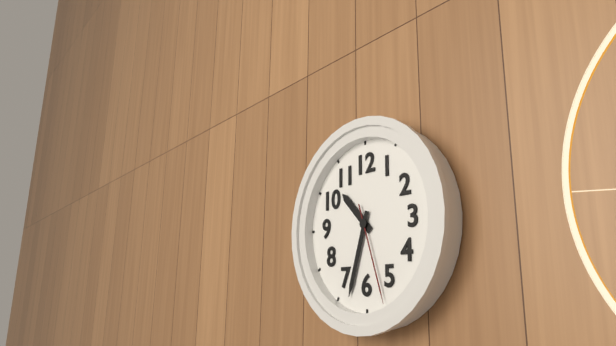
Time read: 10:33:27
